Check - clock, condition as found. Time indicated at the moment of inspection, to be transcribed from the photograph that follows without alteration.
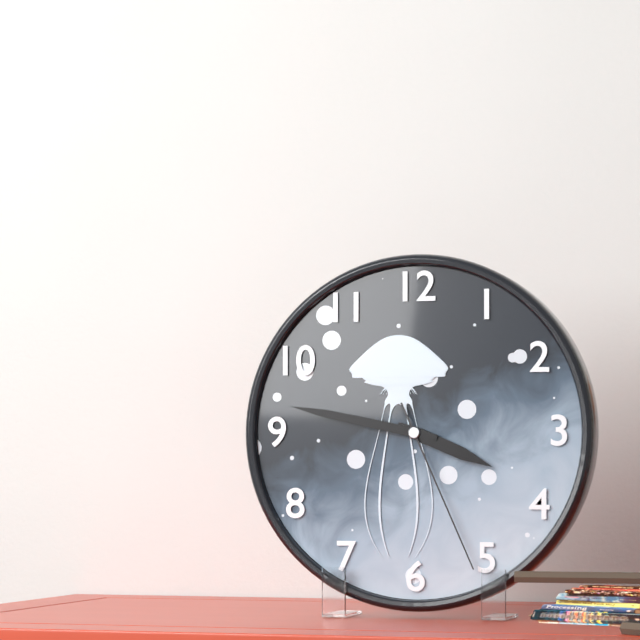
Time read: 3:47:26
